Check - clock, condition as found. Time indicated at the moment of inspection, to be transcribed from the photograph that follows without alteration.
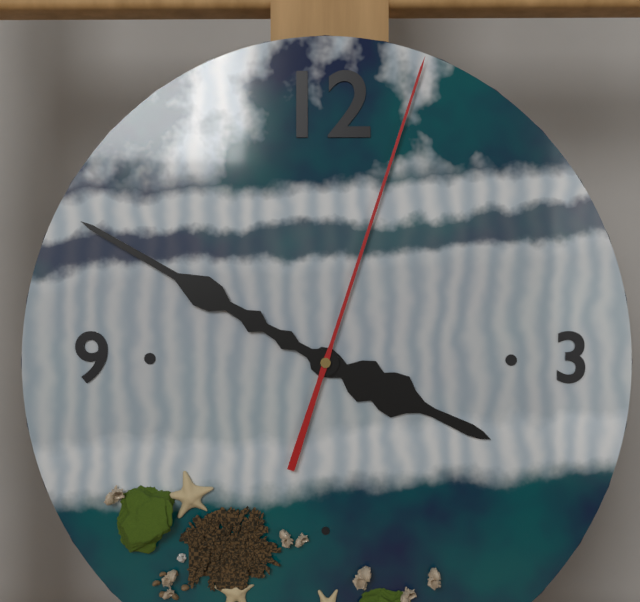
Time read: 3:50:03
